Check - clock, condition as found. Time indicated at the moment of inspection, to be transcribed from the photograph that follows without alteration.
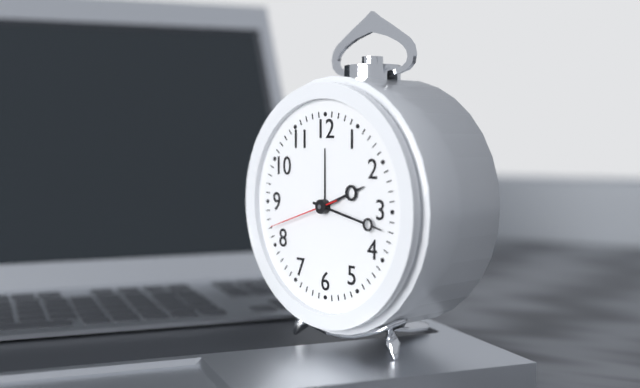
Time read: 2:17:42
